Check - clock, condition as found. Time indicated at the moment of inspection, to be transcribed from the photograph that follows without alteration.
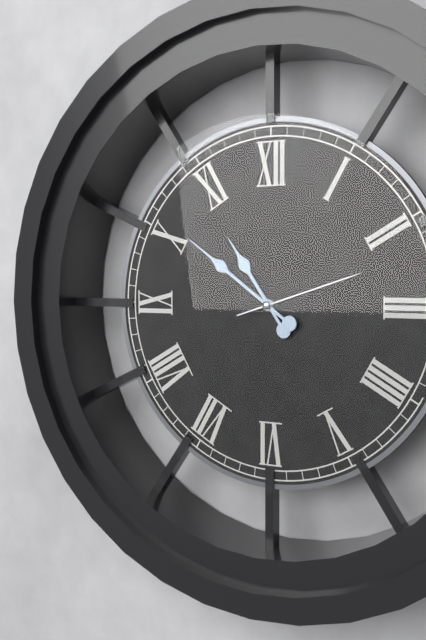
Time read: 10:51:12
